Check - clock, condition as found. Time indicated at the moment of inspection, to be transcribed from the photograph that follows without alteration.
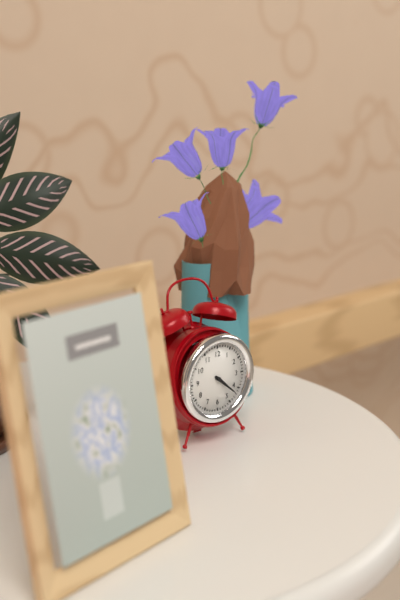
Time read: 4:22
